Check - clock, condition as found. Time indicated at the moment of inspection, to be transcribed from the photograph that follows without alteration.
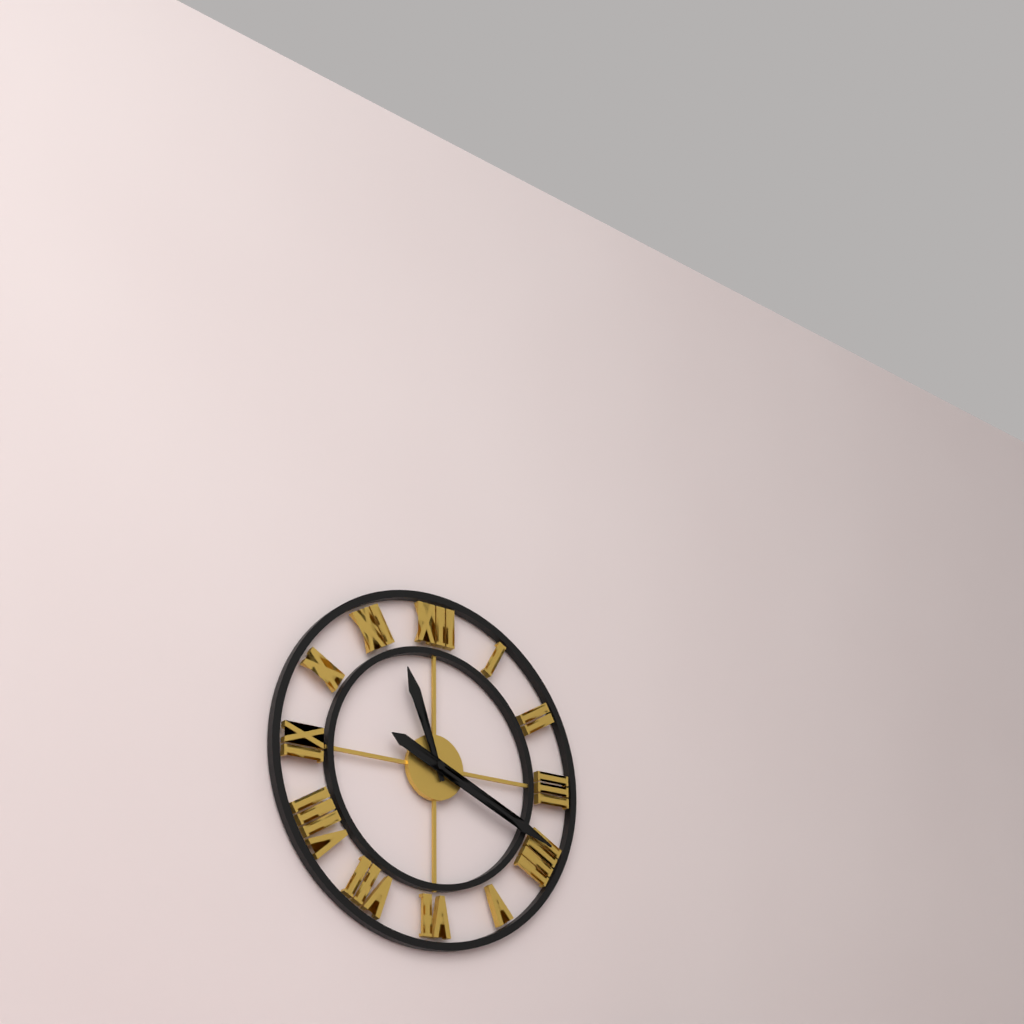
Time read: 11:19
